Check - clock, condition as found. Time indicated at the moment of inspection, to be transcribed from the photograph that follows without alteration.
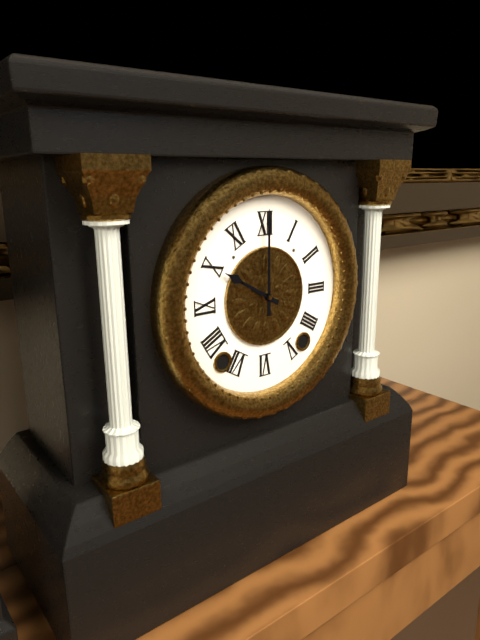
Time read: 10:00
